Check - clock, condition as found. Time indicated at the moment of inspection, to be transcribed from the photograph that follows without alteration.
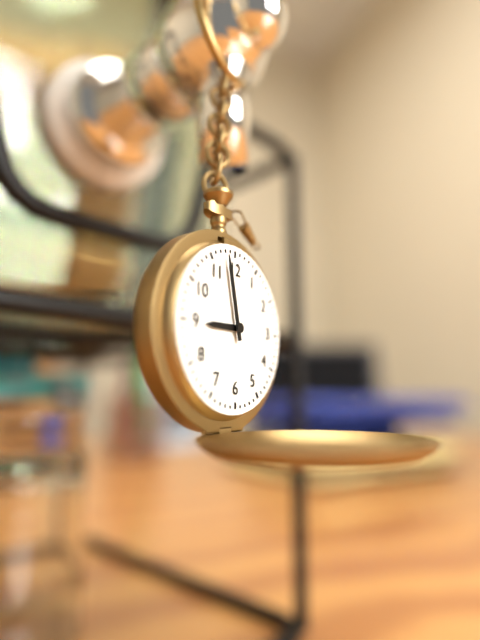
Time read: 8:58
